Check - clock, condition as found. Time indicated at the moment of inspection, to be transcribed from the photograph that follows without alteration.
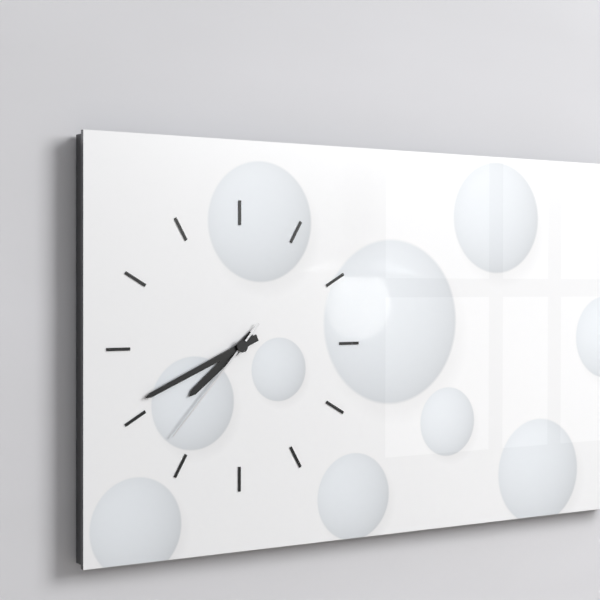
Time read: 7:41:37
